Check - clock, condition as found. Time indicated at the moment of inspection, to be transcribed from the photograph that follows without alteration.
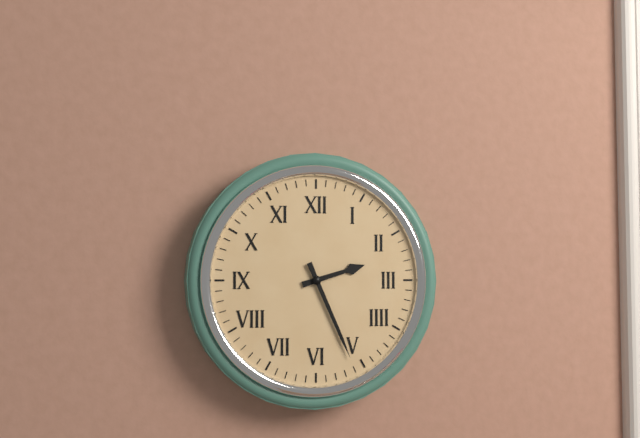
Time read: 2:26
